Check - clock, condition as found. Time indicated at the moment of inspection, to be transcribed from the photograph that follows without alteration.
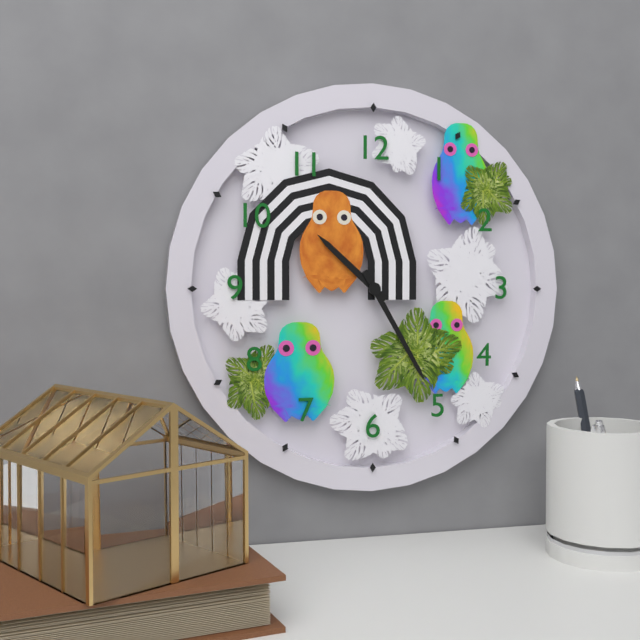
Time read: 10:25
